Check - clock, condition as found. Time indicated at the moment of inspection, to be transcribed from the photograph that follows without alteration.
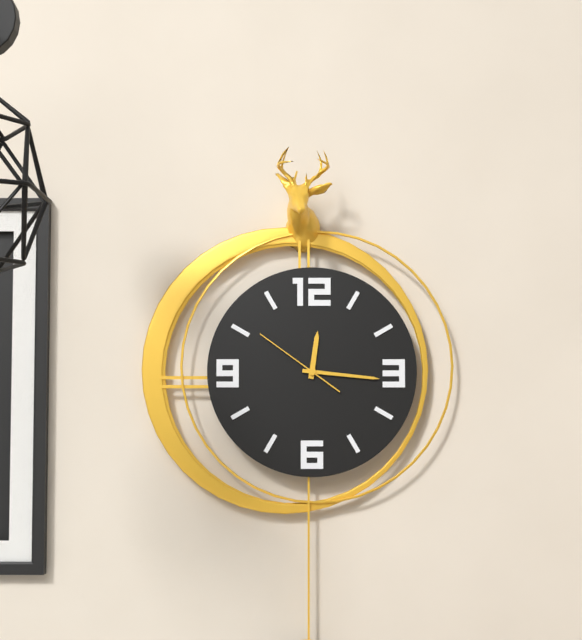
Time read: 12:16:51
